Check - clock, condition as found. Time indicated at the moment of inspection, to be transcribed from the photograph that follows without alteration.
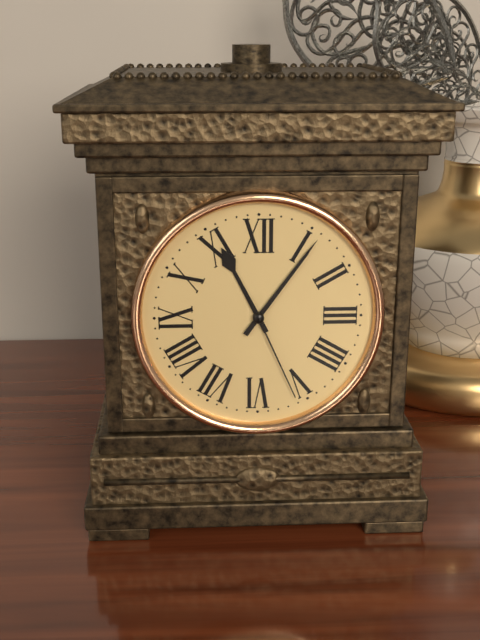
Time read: 11:06:26
